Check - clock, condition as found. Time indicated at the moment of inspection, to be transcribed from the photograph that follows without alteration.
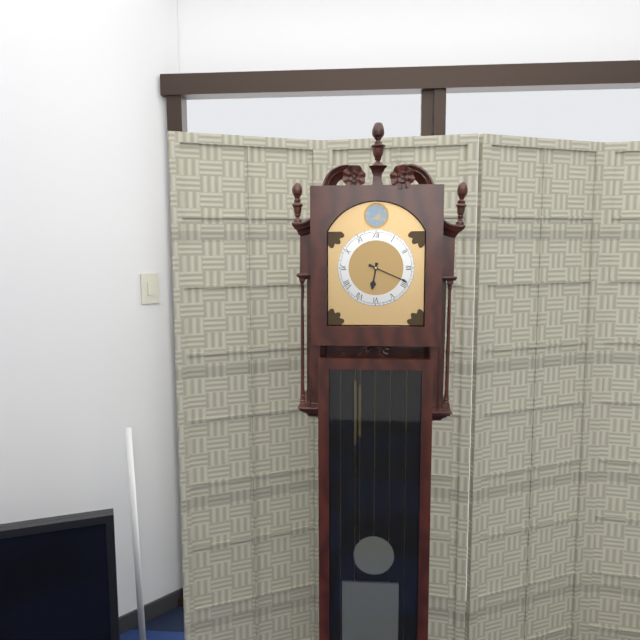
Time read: 6:19
